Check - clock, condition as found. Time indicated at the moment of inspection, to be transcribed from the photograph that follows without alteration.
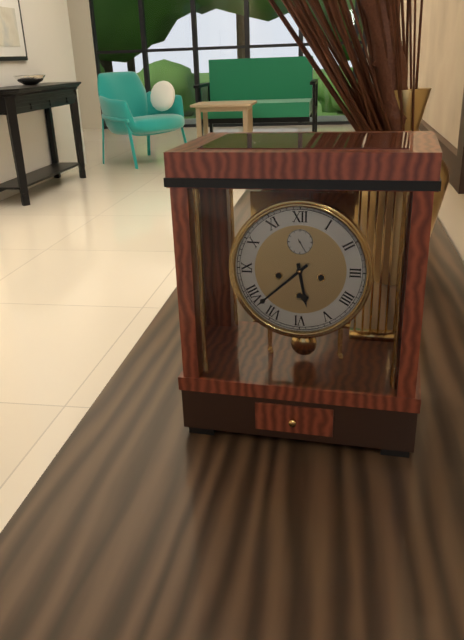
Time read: 5:38
